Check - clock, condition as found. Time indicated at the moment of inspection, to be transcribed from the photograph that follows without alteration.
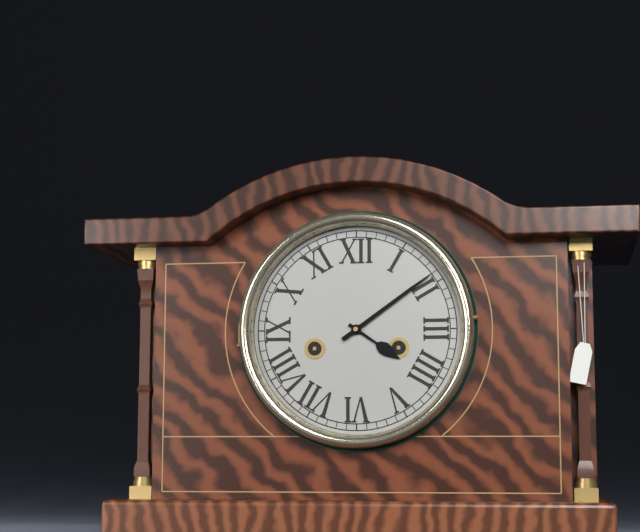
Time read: 4:09
